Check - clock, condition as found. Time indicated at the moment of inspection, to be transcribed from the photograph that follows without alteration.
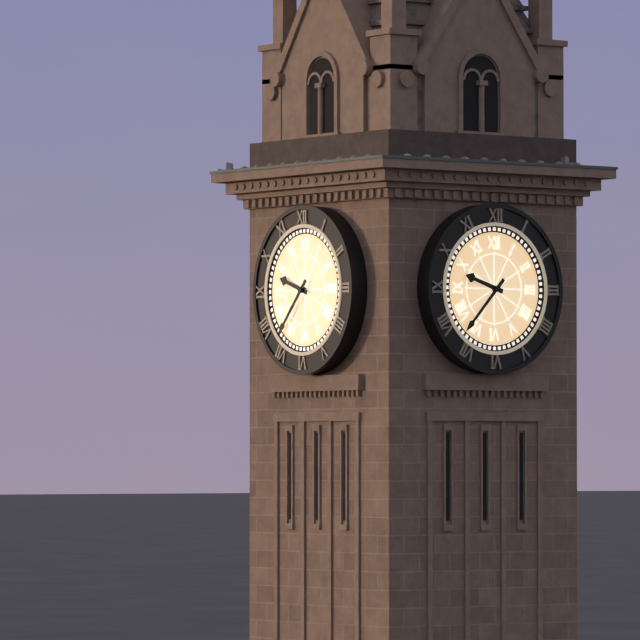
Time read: 9:37
